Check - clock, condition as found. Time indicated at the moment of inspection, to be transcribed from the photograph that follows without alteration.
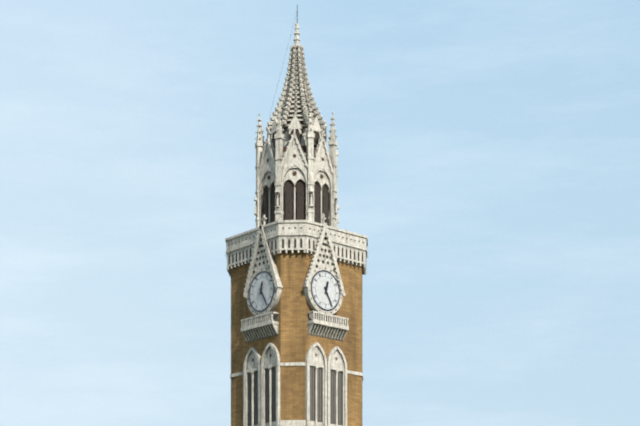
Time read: 12:25
